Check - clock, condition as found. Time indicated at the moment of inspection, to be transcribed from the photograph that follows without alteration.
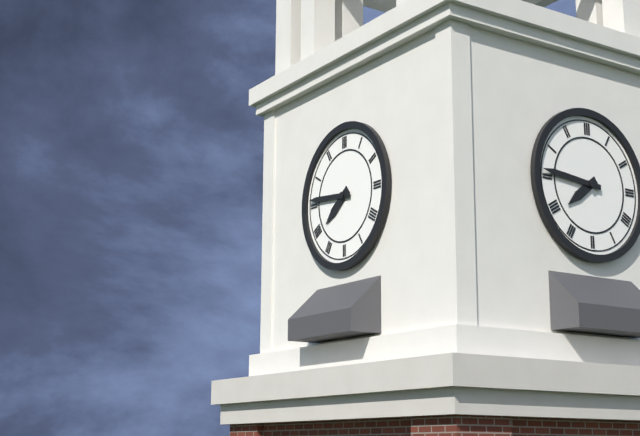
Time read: 7:46
